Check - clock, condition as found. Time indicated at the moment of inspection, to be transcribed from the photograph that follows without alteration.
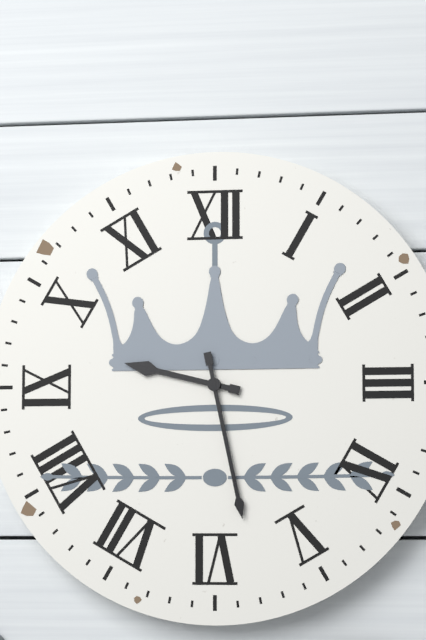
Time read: 9:28
